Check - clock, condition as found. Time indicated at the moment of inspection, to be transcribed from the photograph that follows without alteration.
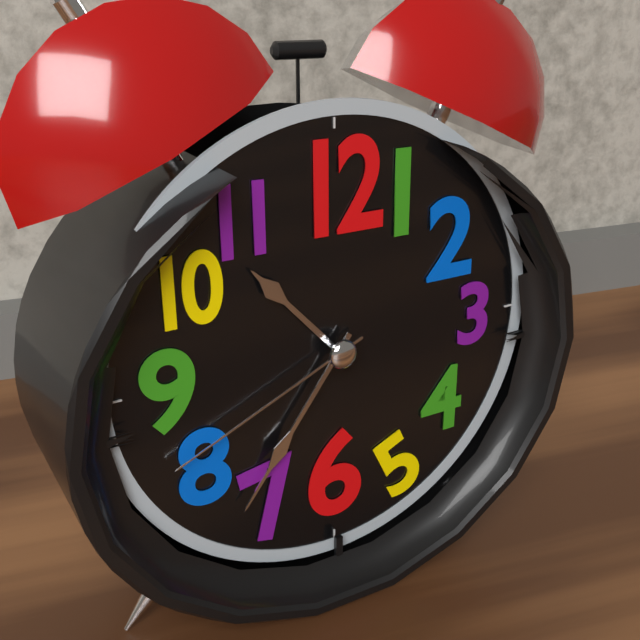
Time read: 10:36:41
